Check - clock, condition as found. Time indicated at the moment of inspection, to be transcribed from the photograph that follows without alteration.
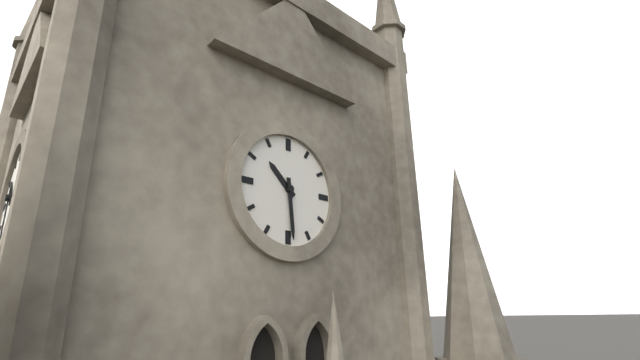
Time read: 10:29
